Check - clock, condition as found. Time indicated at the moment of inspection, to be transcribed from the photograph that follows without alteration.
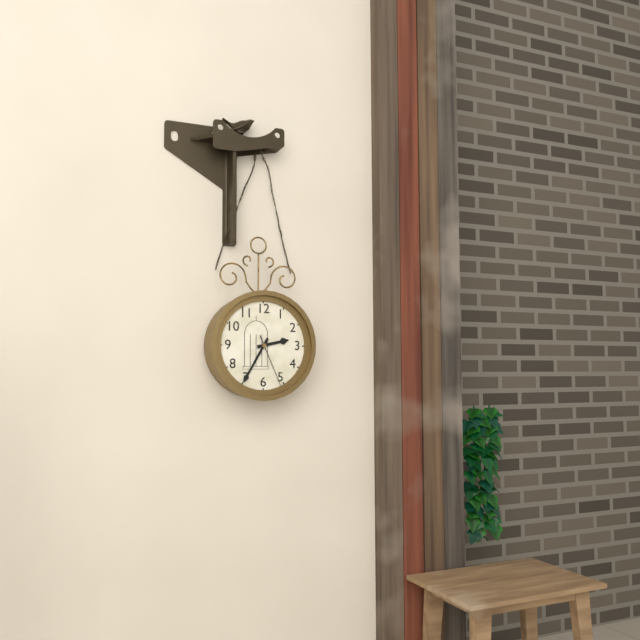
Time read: 2:35:26
